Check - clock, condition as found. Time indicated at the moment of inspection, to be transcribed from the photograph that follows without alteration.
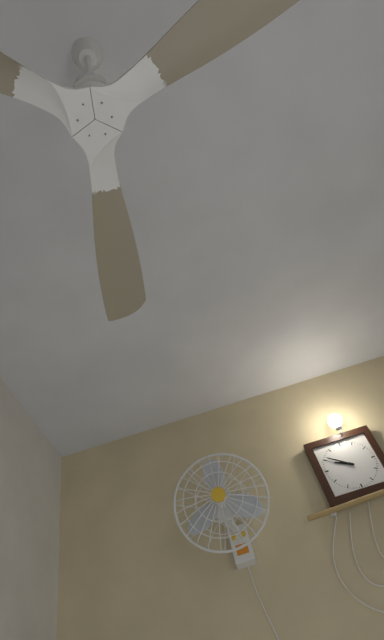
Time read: 9:51
